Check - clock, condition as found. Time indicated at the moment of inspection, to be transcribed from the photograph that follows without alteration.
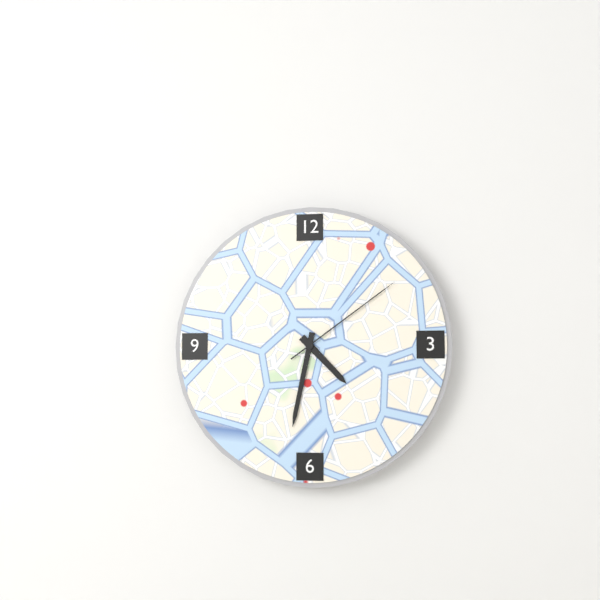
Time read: 4:32:09
